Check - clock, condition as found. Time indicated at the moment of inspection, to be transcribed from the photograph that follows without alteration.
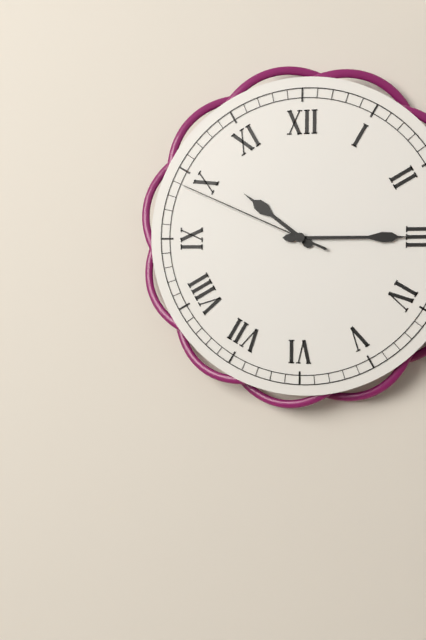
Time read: 10:15:49
